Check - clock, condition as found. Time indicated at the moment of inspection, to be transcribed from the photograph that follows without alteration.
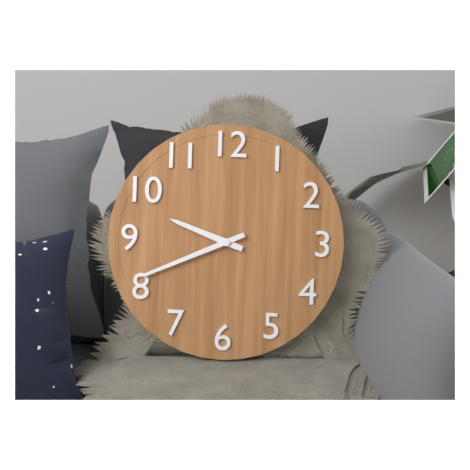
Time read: 9:41
